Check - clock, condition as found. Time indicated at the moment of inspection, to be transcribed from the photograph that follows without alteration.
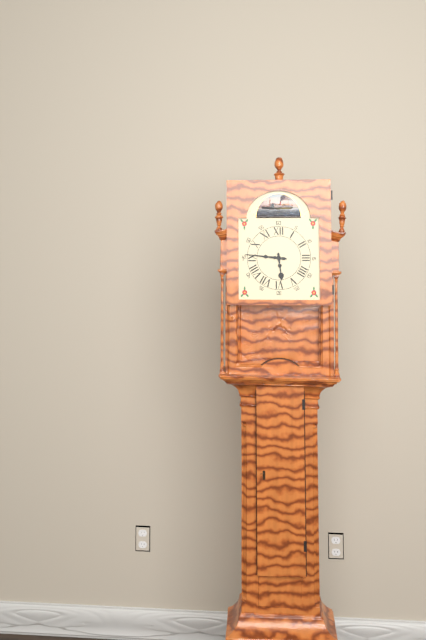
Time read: 5:46
